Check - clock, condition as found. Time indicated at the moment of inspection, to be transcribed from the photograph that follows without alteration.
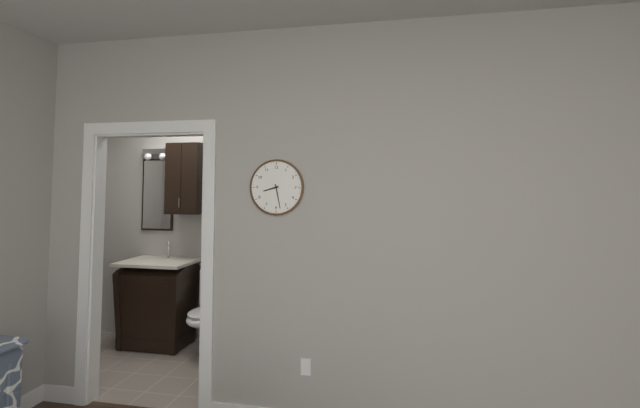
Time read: 8:28
